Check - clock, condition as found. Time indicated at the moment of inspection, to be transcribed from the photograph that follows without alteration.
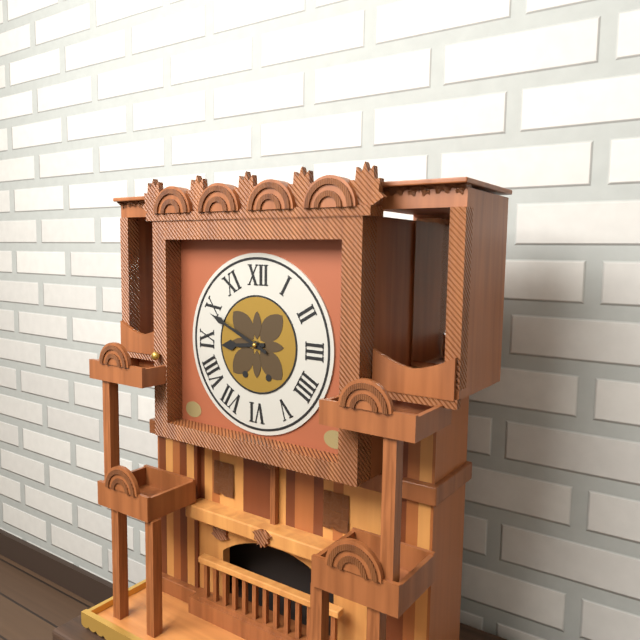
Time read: 8:49
